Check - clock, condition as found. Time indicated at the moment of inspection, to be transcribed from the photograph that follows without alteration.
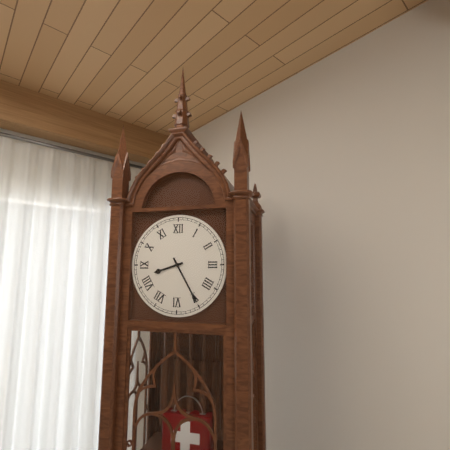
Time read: 8:25
